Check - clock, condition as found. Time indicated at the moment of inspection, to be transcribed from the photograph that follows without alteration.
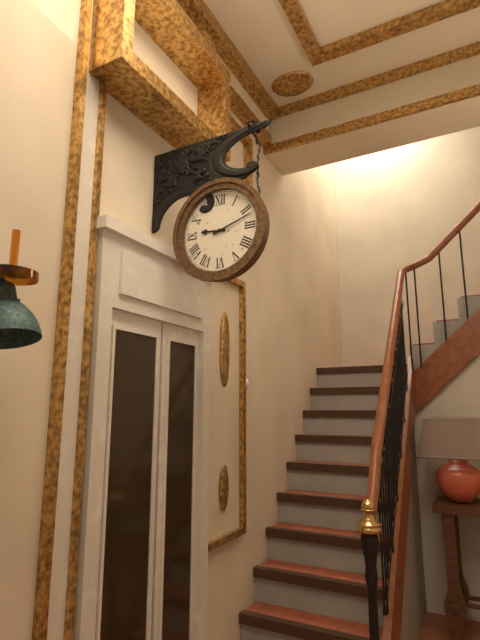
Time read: 9:12
